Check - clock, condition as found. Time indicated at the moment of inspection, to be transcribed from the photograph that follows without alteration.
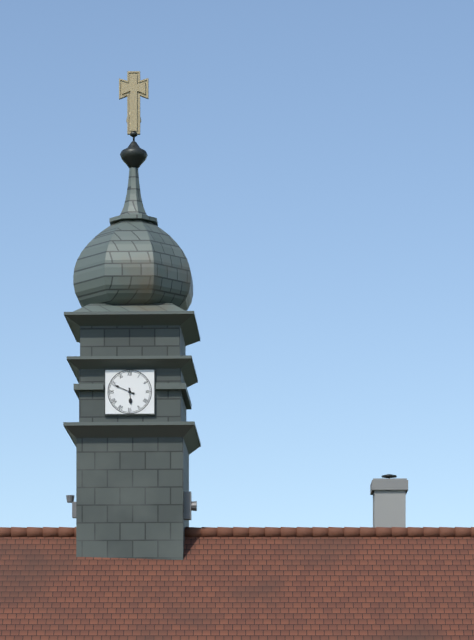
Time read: 5:49
